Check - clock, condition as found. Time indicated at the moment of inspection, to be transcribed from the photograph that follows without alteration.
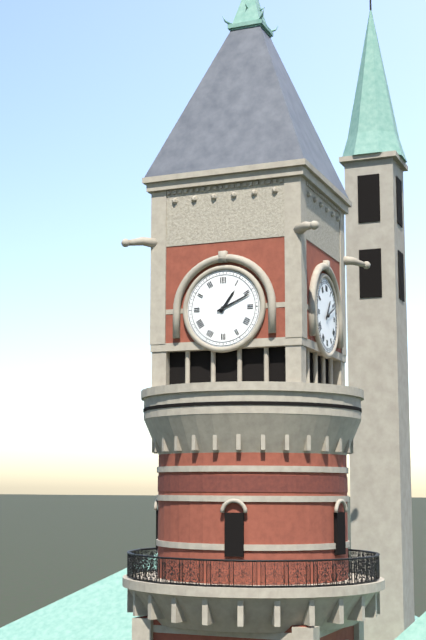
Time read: 1:11
